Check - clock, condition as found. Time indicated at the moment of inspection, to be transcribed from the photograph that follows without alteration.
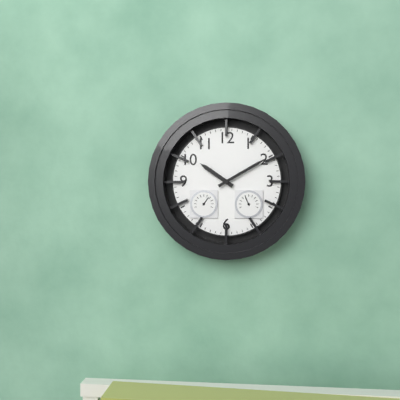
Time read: 10:10
